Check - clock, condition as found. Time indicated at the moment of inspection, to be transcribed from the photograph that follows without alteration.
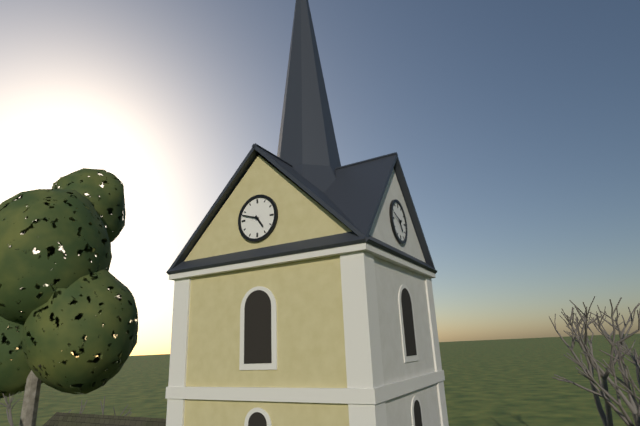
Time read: 4:48
